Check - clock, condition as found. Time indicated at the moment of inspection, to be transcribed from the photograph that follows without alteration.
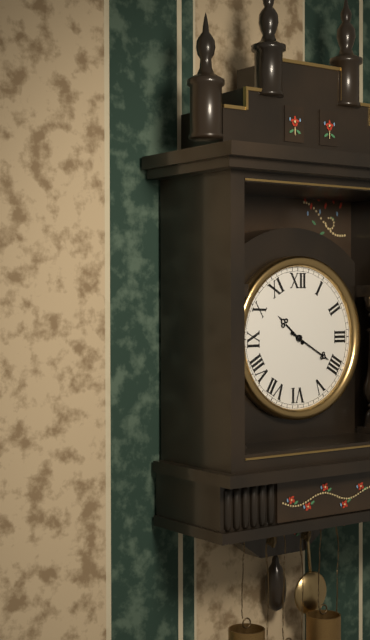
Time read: 10:20
